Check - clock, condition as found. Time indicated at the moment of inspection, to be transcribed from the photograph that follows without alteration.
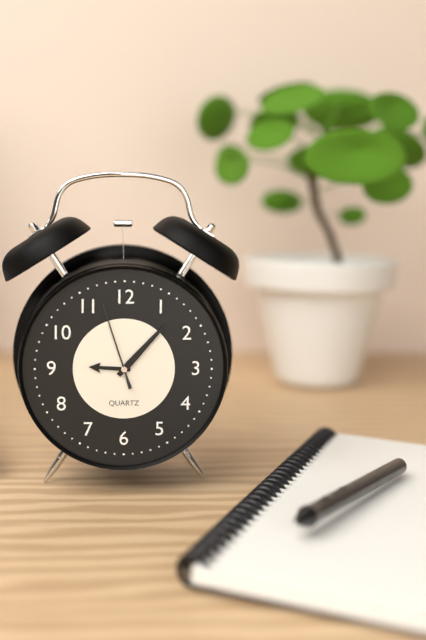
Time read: 9:07:57
